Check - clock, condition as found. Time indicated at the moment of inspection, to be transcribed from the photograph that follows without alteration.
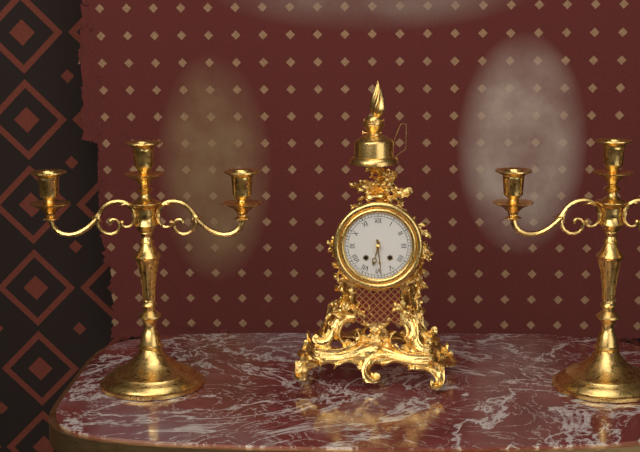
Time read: 6:29
